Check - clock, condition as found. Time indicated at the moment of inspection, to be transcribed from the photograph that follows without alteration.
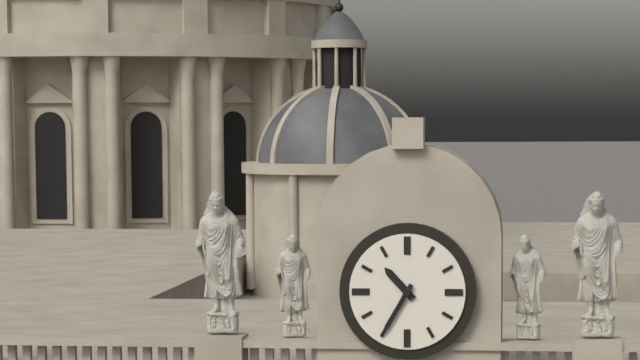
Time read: 10:35
